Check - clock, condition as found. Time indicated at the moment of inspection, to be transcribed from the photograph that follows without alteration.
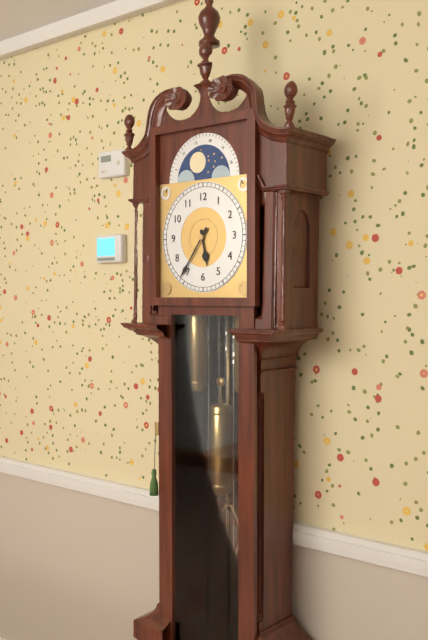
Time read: 5:36
